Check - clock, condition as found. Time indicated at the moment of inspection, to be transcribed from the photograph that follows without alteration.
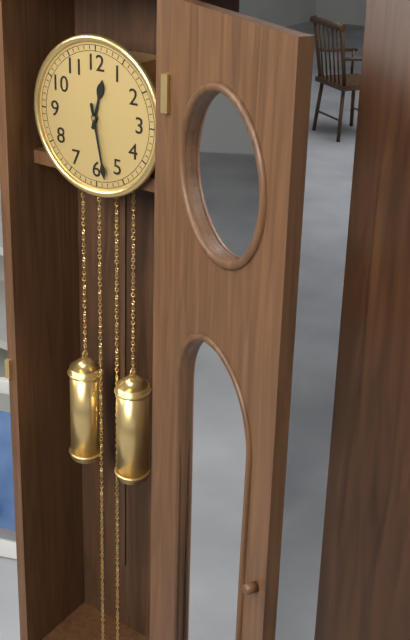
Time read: 12:28
